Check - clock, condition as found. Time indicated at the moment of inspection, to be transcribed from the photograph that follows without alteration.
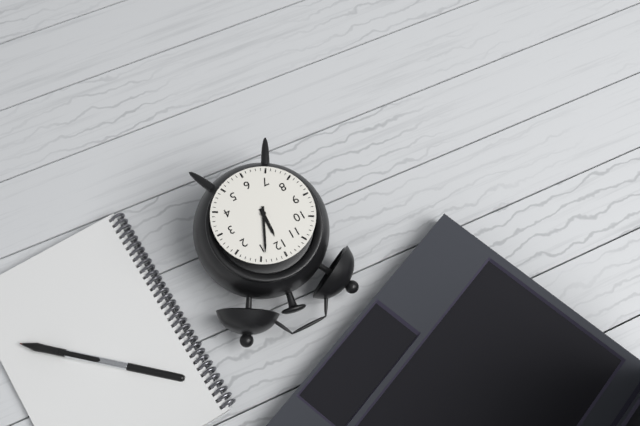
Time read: 12:04
